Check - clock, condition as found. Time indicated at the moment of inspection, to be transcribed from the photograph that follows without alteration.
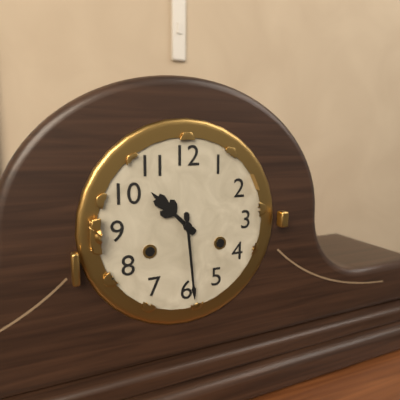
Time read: 10:29
